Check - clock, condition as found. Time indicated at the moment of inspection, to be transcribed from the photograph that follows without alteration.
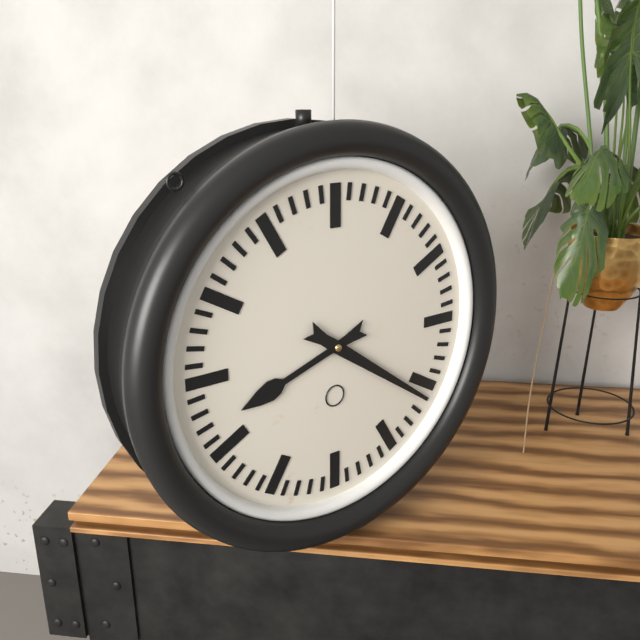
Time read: 8:21
